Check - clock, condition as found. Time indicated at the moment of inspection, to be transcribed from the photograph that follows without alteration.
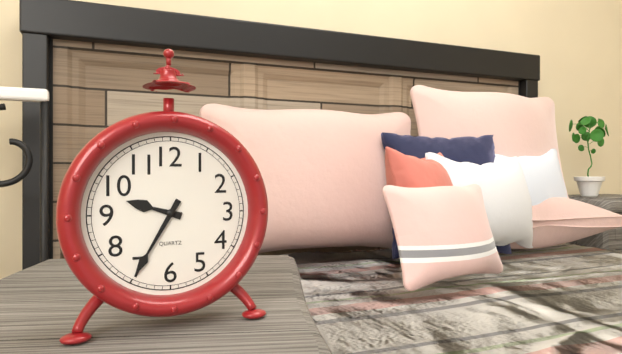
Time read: 9:35
